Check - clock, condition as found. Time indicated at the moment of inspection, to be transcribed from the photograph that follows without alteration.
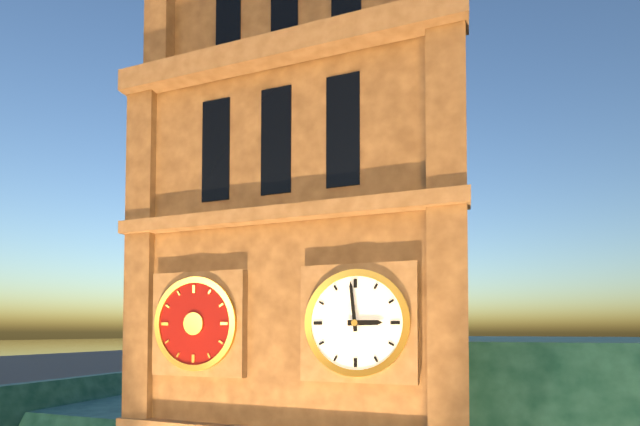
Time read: 2:59
